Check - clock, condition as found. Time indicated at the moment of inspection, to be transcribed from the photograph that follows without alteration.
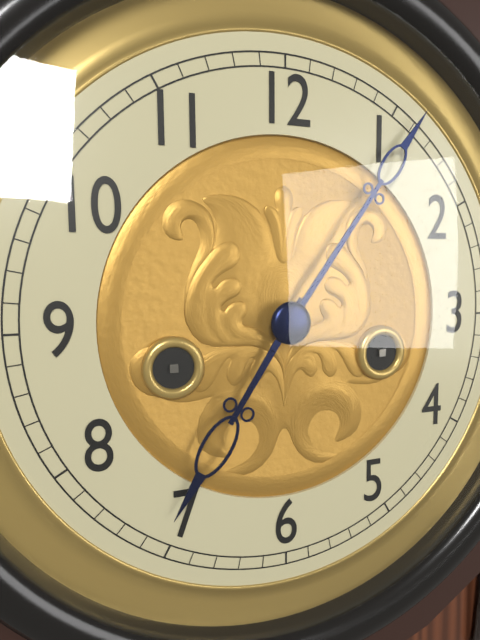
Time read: 7:06
